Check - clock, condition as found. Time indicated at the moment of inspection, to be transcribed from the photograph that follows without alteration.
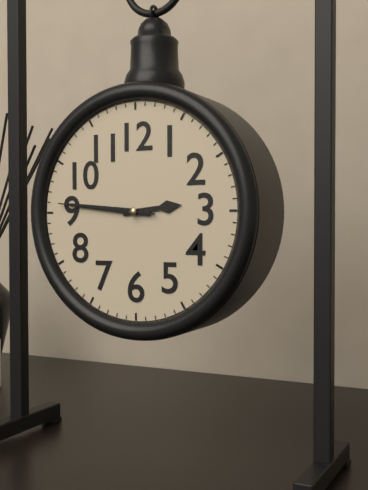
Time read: 2:46:46
